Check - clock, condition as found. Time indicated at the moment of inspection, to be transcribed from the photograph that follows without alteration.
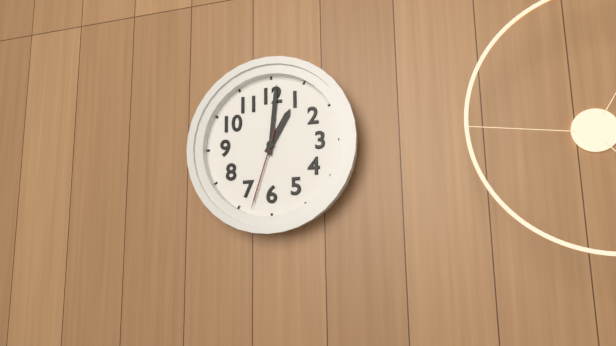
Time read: 1:01:33
